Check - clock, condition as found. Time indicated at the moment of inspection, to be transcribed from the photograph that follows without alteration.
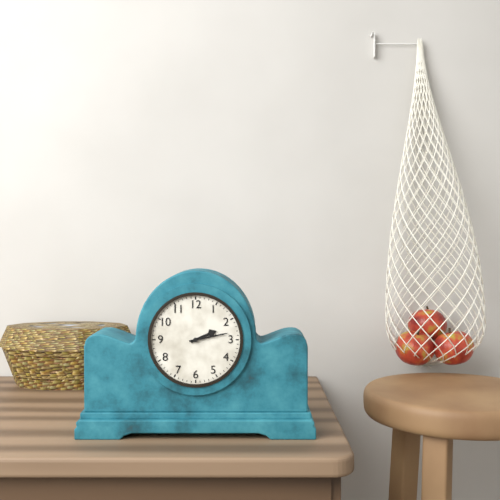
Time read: 2:13
